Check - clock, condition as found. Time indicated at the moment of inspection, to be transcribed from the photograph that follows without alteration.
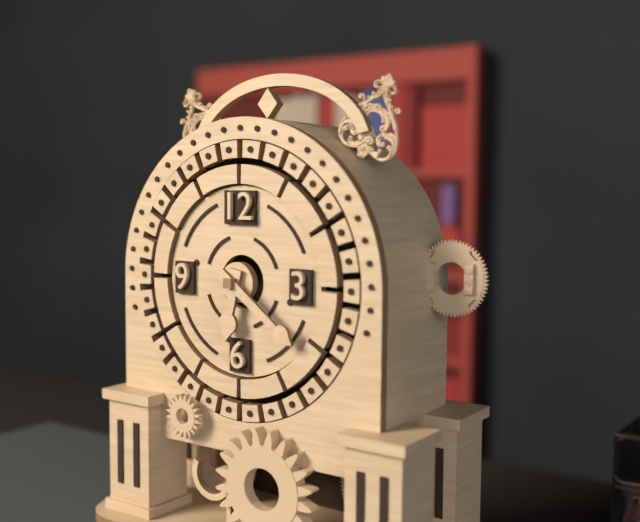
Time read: 6:21
